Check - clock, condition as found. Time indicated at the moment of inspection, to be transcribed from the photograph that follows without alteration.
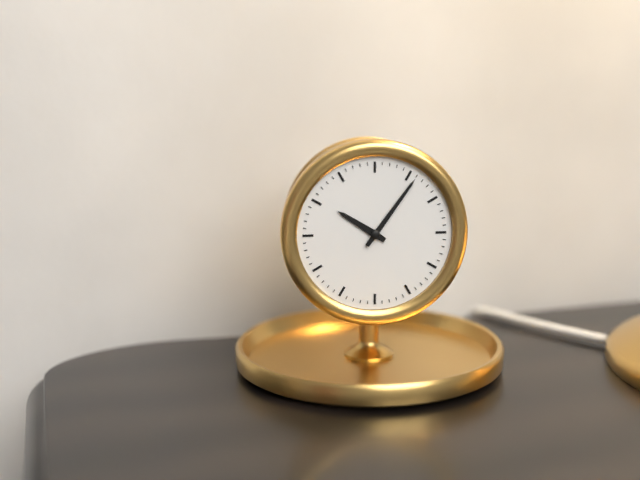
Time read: 10:06
